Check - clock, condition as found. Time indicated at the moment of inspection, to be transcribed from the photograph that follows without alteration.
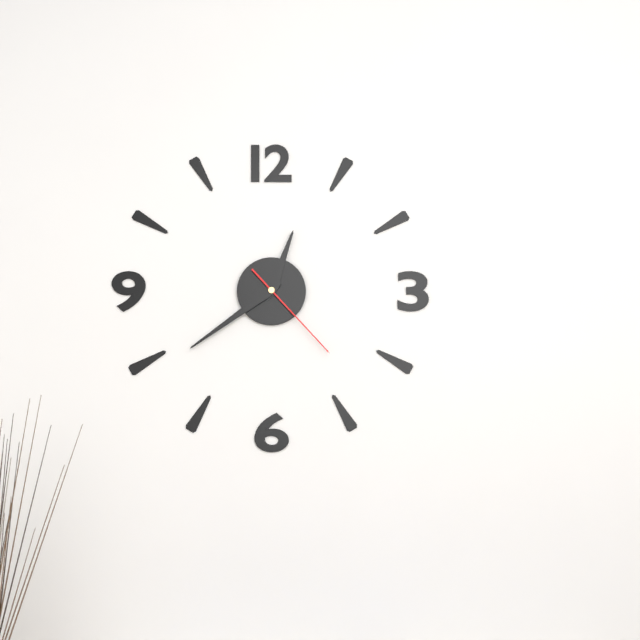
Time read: 12:39:23
